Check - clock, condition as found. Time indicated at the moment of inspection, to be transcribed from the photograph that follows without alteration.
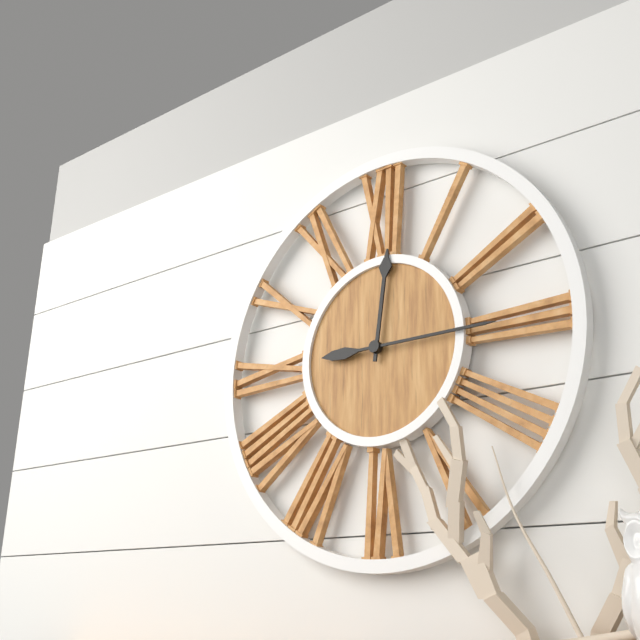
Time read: 12:15
